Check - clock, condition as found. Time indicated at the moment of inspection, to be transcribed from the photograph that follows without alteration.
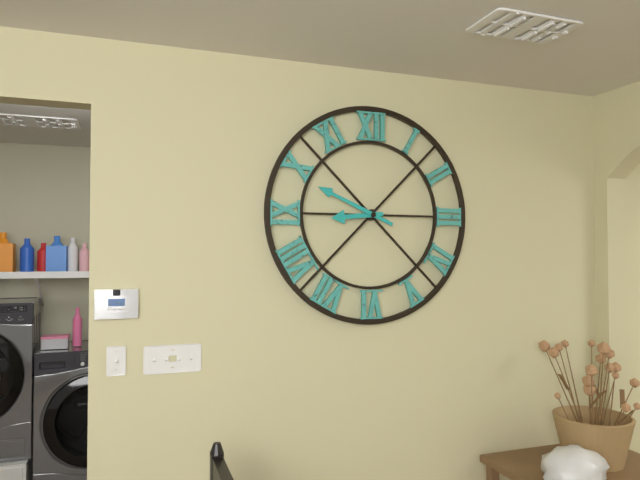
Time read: 8:49
